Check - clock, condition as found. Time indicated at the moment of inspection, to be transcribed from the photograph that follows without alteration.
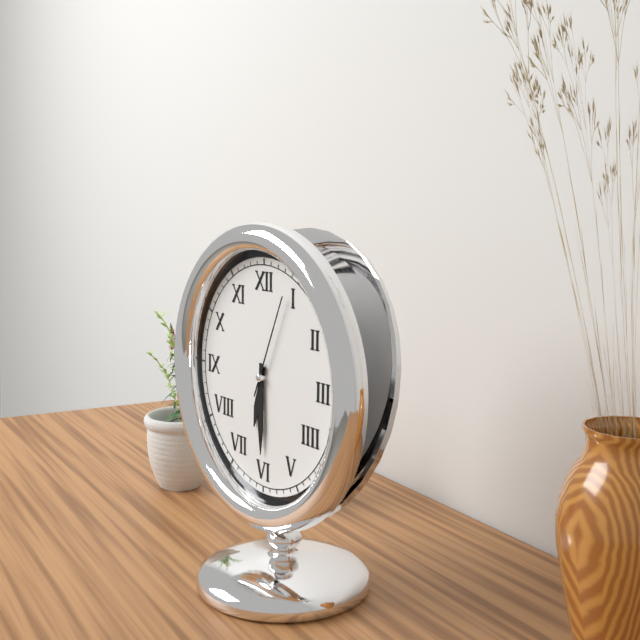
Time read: 6:30:04
